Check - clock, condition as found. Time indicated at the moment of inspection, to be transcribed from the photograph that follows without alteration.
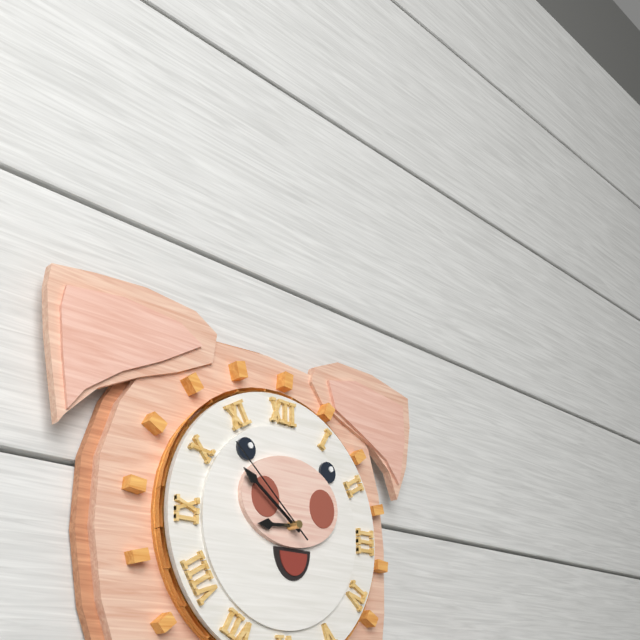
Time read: 8:51:52
